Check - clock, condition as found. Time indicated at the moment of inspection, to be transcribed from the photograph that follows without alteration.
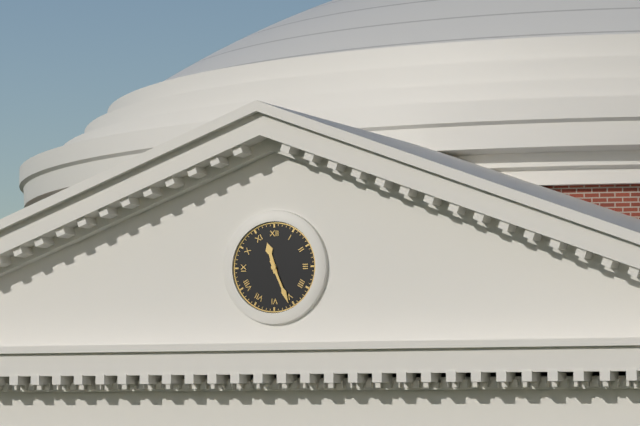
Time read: 11:26
